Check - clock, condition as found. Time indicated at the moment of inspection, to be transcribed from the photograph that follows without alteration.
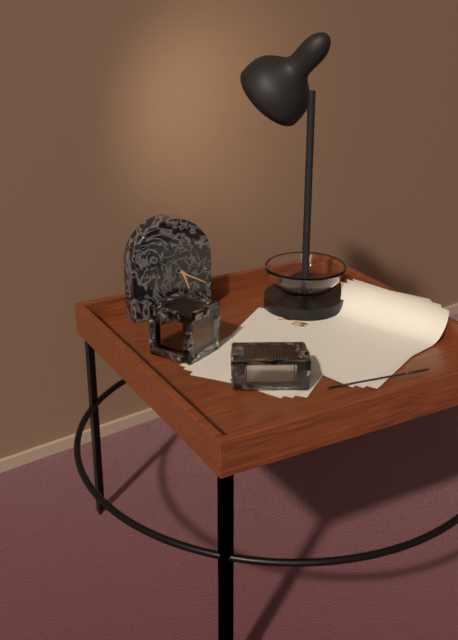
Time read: 5:20
